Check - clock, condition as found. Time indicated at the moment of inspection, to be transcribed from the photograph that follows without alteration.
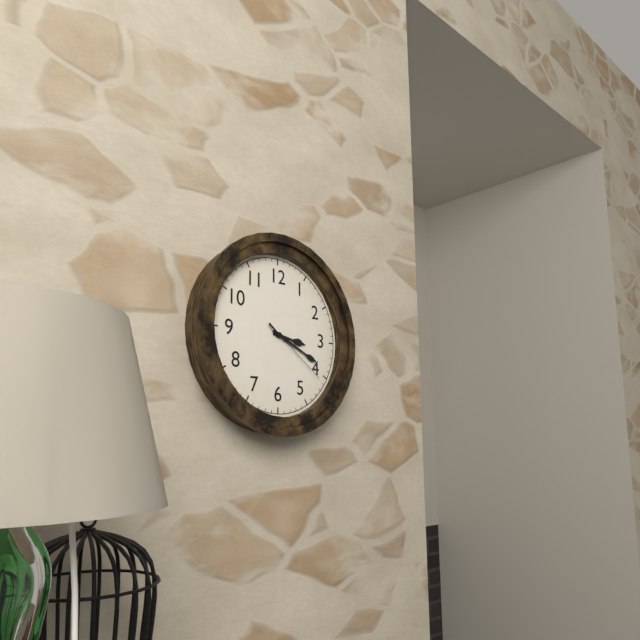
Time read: 3:19:21
